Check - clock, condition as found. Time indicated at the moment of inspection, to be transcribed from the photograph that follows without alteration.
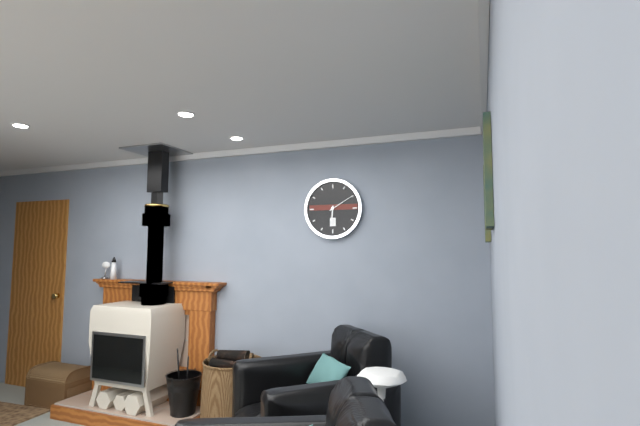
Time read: 6:10
